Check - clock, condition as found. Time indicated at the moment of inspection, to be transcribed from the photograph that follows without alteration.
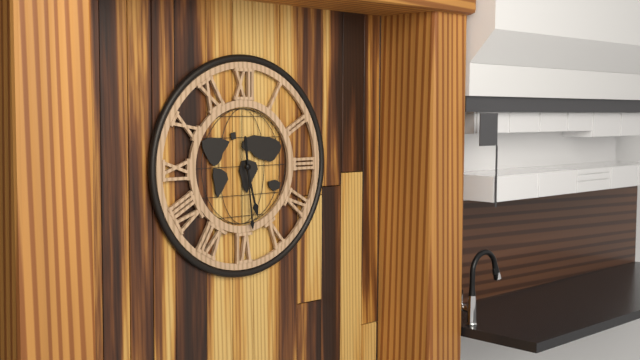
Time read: 5:29
